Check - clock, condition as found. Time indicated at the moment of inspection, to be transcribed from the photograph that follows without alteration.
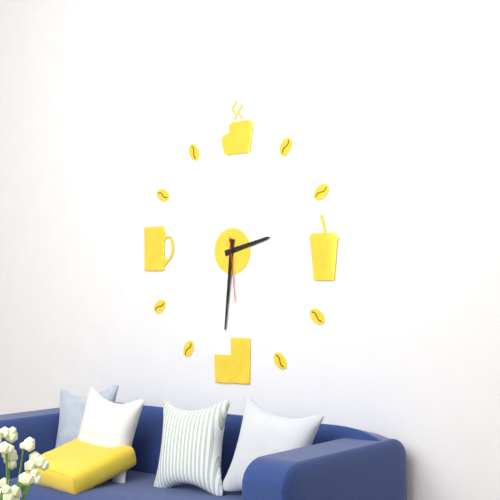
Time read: 2:31:29
